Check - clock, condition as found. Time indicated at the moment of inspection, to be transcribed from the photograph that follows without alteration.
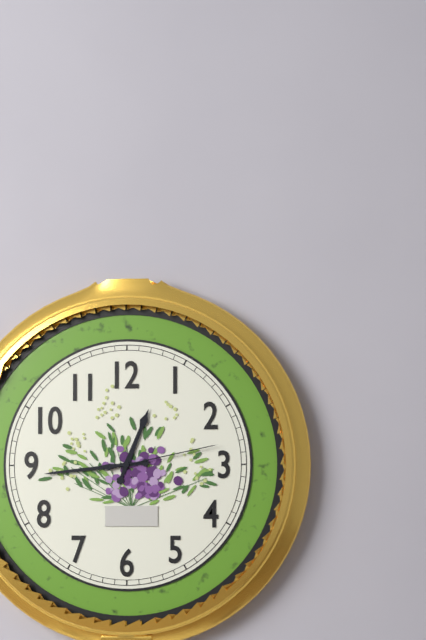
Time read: 12:44:13
